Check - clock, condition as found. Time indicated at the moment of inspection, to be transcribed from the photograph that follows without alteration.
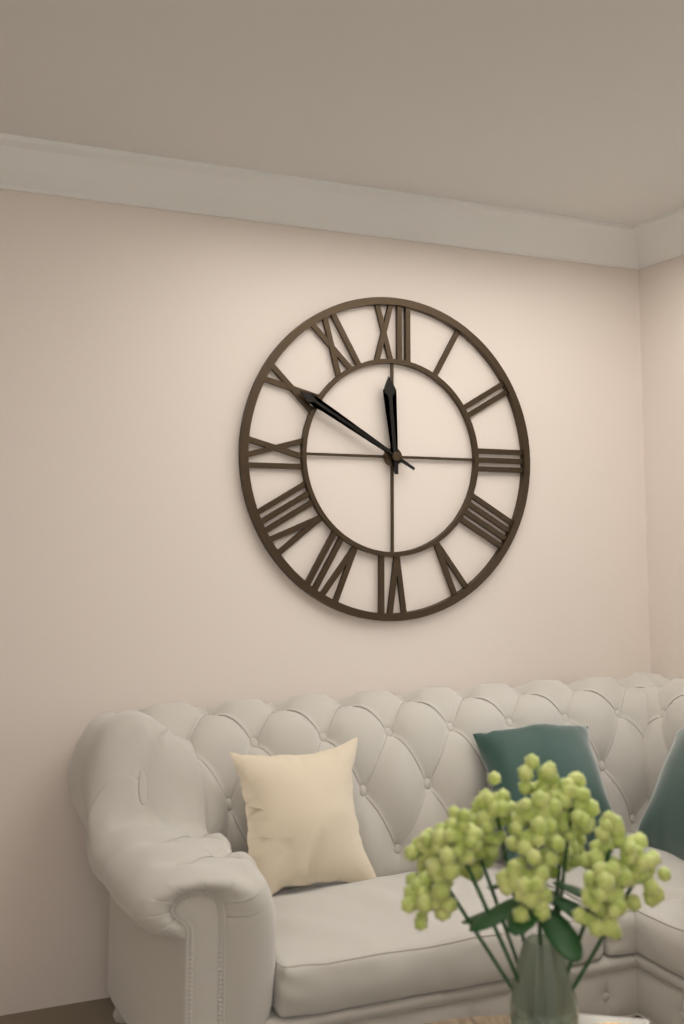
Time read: 11:50
